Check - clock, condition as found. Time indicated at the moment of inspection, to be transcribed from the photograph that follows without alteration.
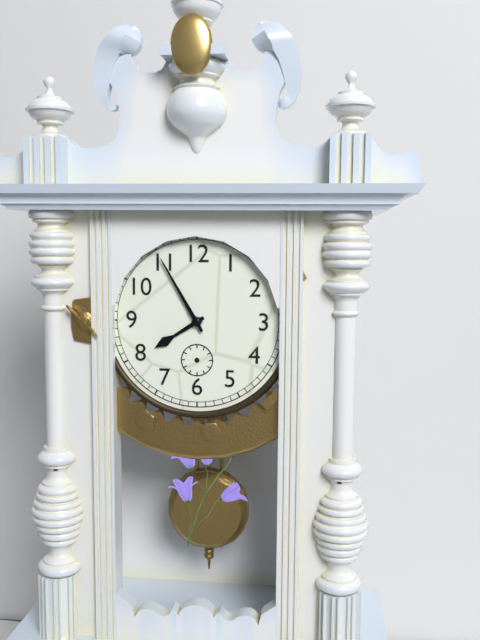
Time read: 7:55
